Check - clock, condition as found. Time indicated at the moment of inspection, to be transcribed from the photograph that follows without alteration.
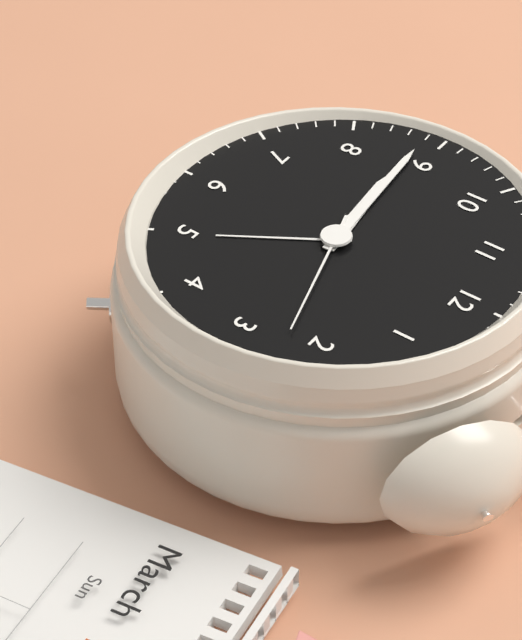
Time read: 8:44:12
